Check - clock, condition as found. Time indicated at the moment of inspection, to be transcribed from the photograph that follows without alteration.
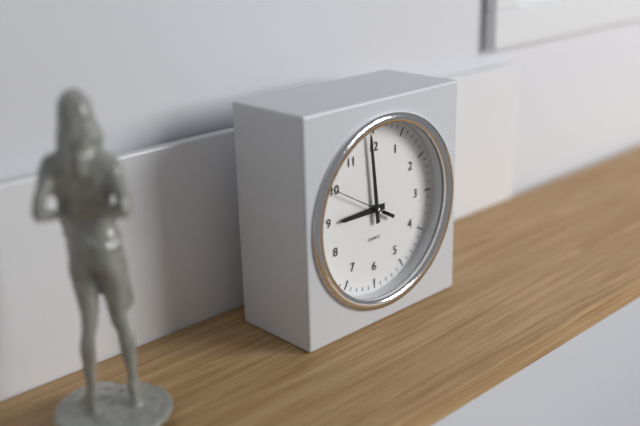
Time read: 8:59:50
